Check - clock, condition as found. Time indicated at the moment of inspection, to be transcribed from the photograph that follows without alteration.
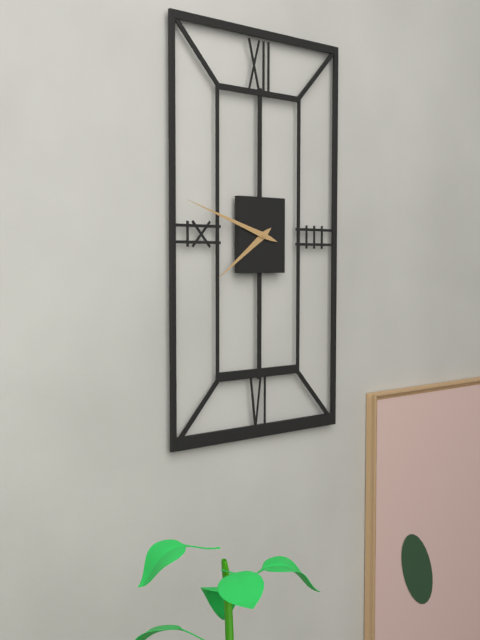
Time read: 7:48
